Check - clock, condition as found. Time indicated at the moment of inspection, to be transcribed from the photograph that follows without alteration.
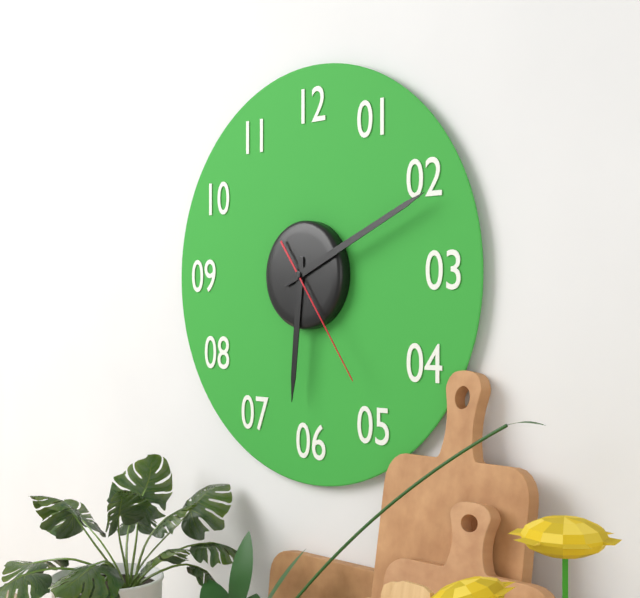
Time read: 6:11:24
